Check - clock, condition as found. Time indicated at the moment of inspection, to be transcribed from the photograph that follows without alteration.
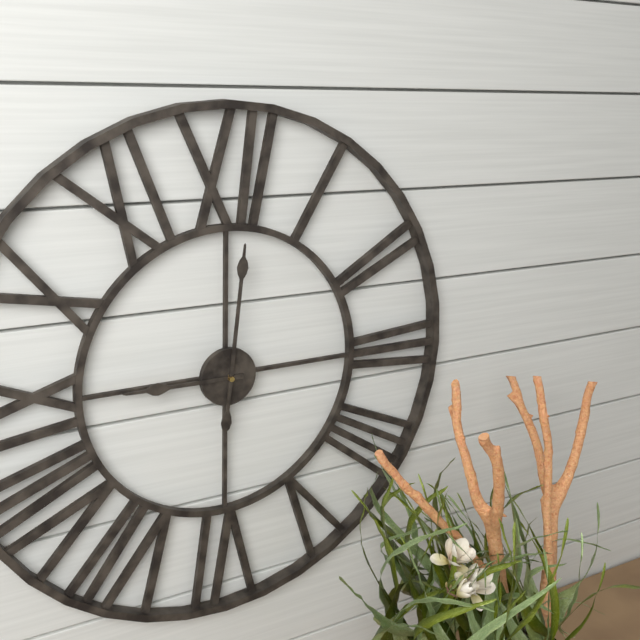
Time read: 9:01
